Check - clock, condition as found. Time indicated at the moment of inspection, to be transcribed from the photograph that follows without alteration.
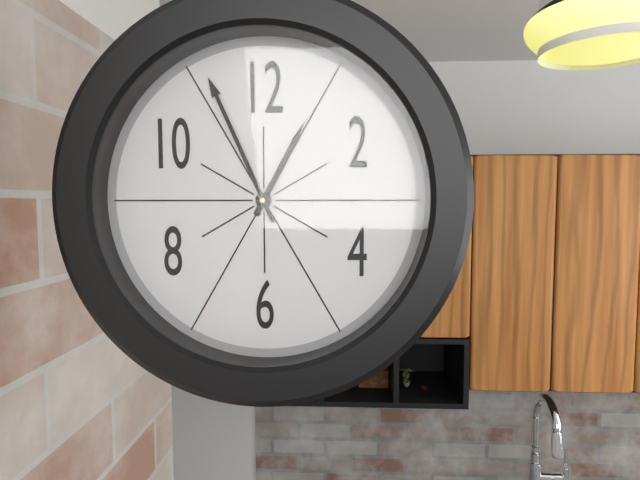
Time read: 12:56
